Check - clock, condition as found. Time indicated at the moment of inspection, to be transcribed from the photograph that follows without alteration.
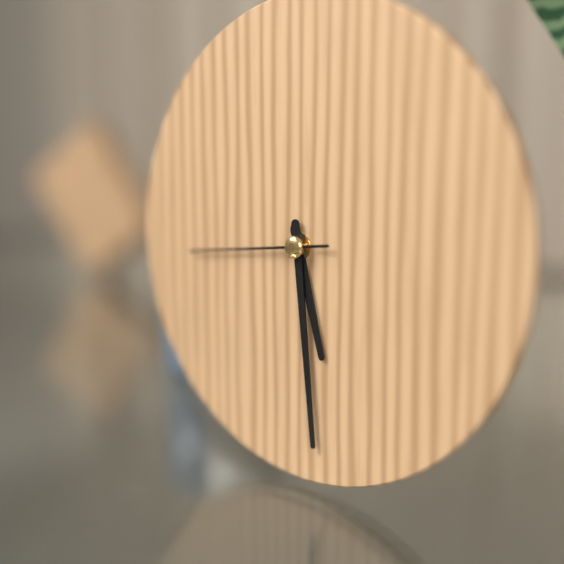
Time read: 5:29:44
